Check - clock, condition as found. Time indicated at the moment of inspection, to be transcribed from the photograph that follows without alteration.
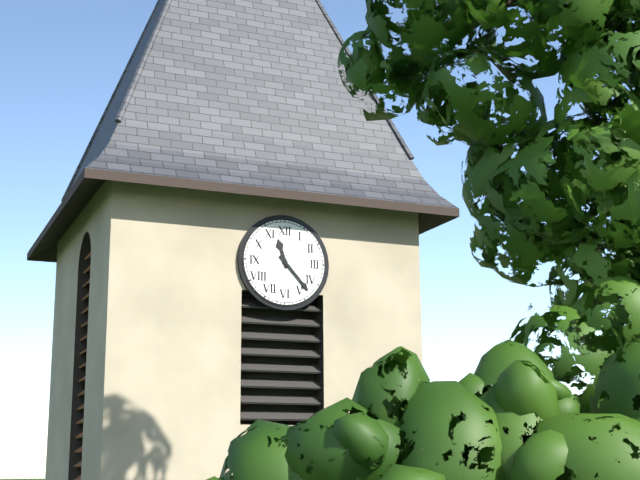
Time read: 11:23
